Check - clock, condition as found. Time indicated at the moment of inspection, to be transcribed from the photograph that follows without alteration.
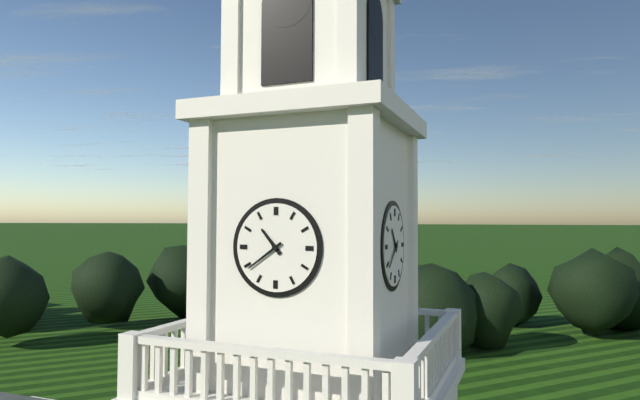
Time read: 10:39
